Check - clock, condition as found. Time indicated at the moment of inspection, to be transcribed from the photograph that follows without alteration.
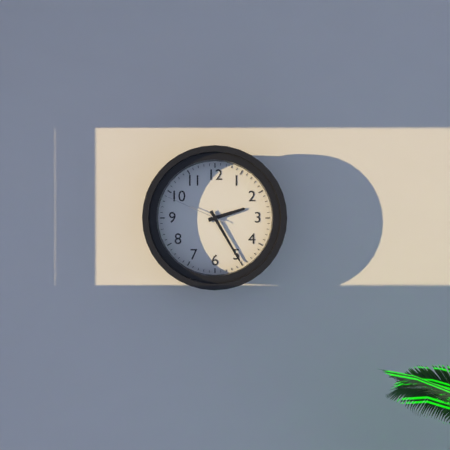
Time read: 2:25:49
